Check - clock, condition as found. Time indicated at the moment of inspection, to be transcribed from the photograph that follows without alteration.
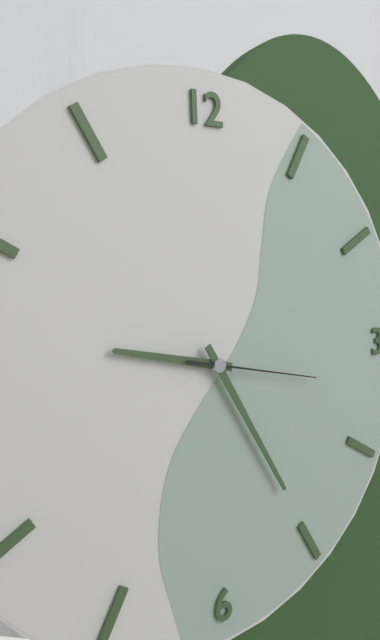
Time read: 9:25:17
